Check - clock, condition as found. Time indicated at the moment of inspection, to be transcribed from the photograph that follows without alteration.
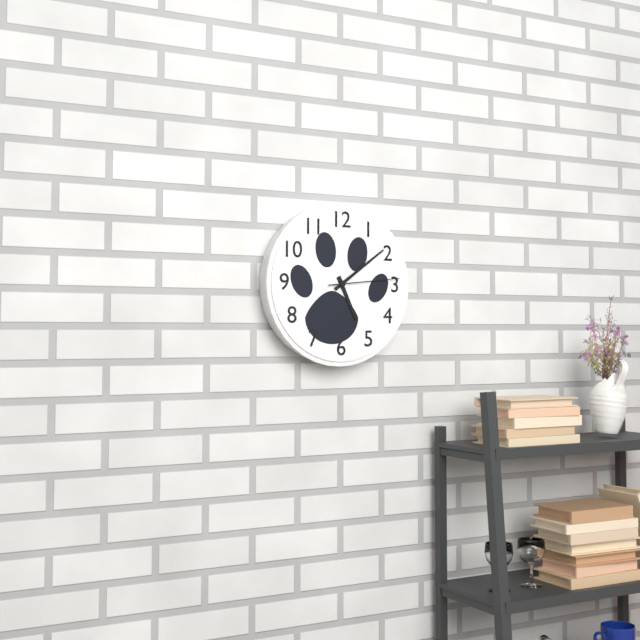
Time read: 5:09:14
